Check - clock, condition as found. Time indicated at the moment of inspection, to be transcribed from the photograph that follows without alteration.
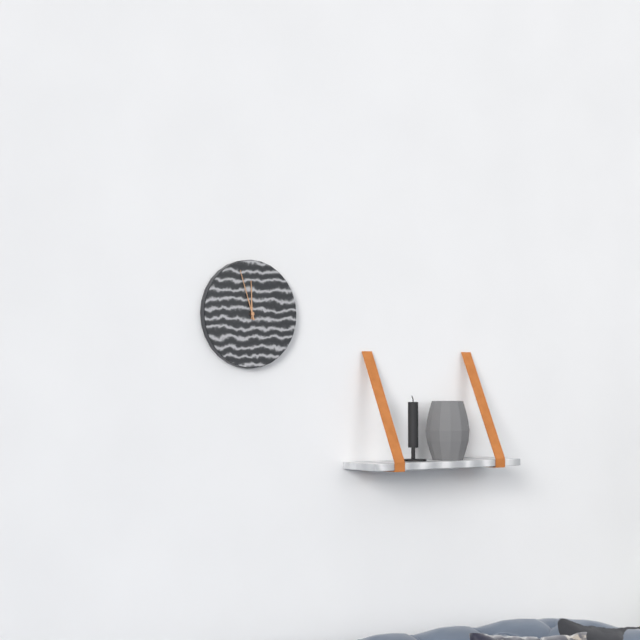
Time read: 11:57
